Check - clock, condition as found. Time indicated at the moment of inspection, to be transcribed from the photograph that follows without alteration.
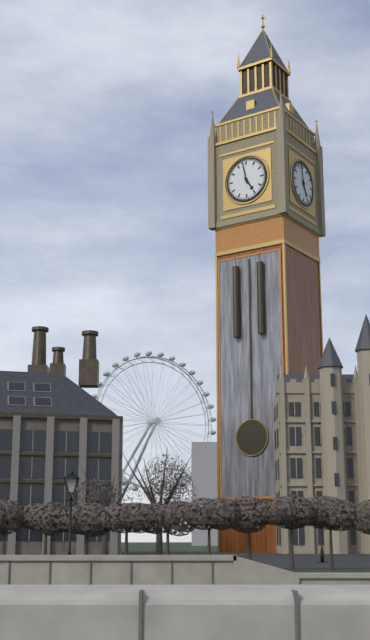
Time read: 4:58
